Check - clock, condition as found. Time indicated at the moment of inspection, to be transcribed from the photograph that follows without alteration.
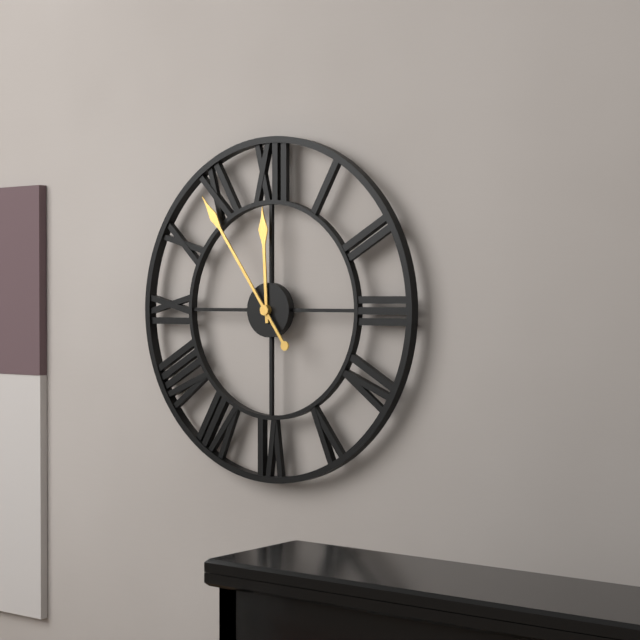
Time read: 11:54
